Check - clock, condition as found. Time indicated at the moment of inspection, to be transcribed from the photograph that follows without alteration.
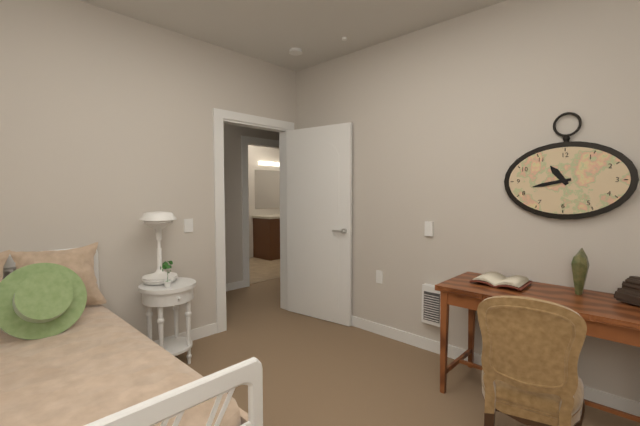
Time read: 10:43
